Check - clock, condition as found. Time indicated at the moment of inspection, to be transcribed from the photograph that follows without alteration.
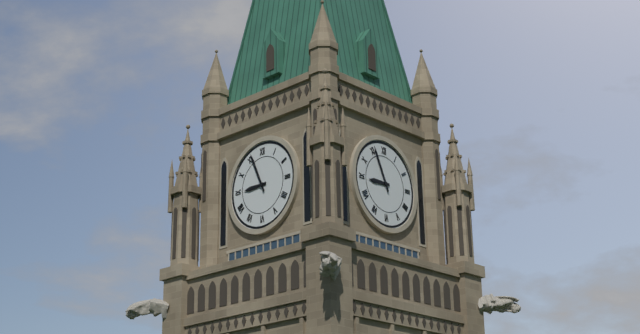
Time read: 8:56
